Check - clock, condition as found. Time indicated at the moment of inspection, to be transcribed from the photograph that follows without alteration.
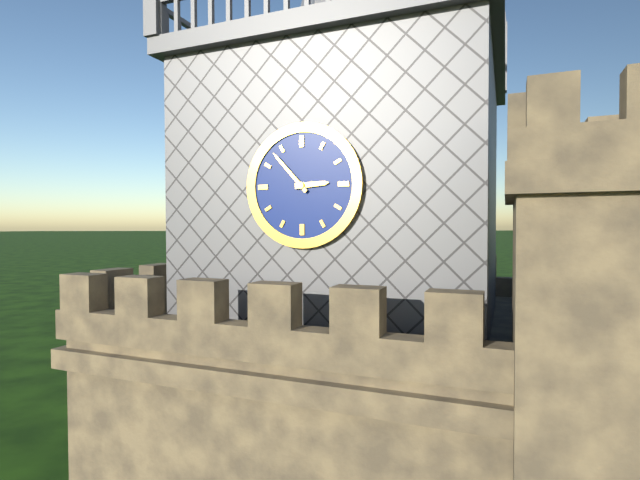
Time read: 2:53
